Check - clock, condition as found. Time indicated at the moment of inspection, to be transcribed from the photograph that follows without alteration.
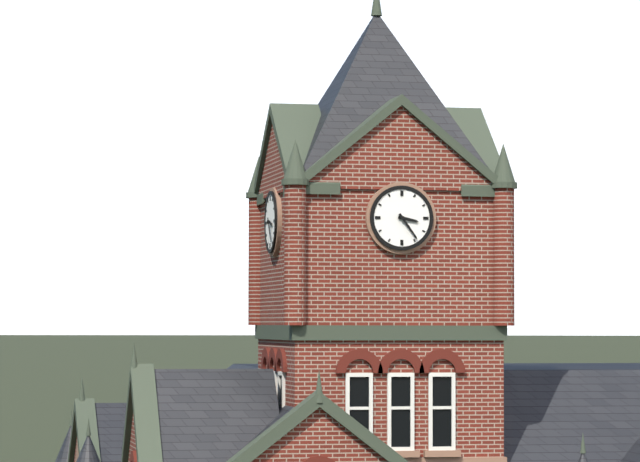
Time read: 3:24
